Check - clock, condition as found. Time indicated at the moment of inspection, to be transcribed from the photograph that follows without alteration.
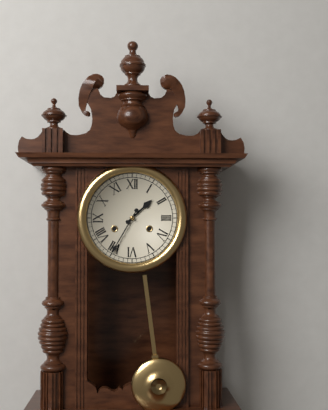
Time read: 1:35
